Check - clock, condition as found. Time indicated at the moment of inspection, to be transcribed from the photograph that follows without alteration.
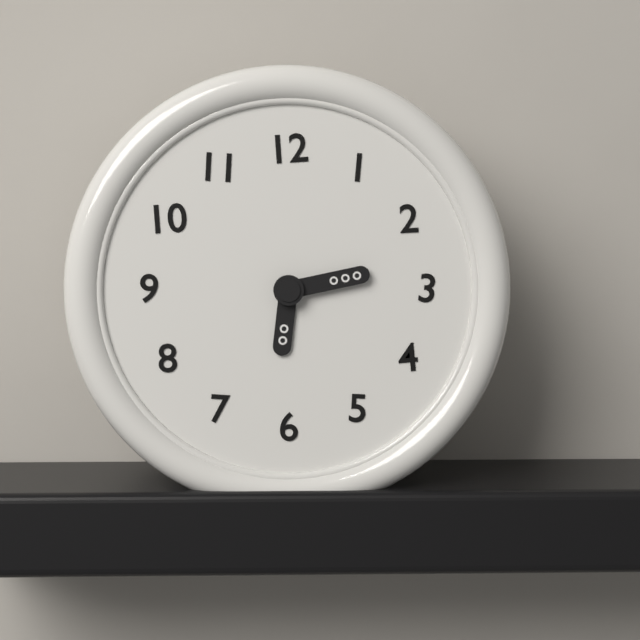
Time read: 6:13
